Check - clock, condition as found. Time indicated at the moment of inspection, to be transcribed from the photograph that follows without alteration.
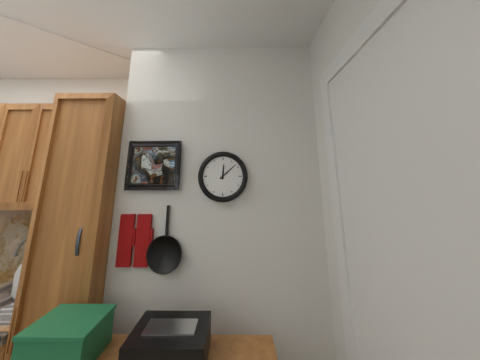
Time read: 12:08
